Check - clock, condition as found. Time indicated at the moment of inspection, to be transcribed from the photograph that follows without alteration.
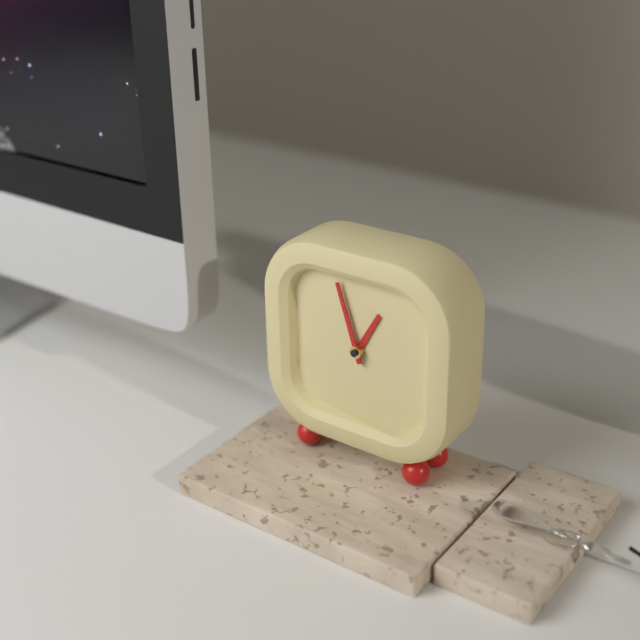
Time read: 12:57
